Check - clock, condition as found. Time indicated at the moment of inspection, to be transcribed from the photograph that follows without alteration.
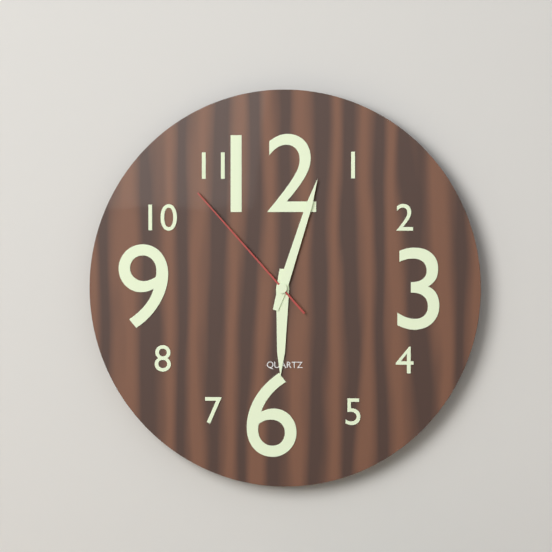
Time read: 6:03:53
